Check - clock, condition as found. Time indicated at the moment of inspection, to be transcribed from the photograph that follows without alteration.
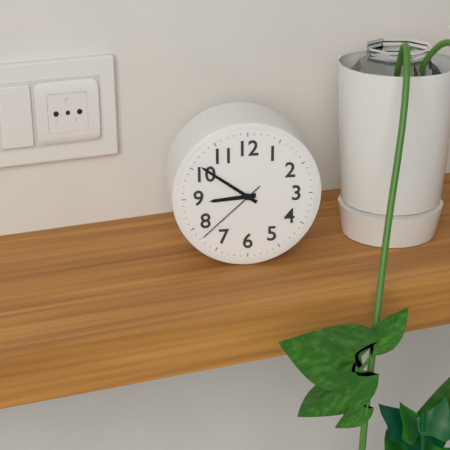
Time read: 8:51:38
